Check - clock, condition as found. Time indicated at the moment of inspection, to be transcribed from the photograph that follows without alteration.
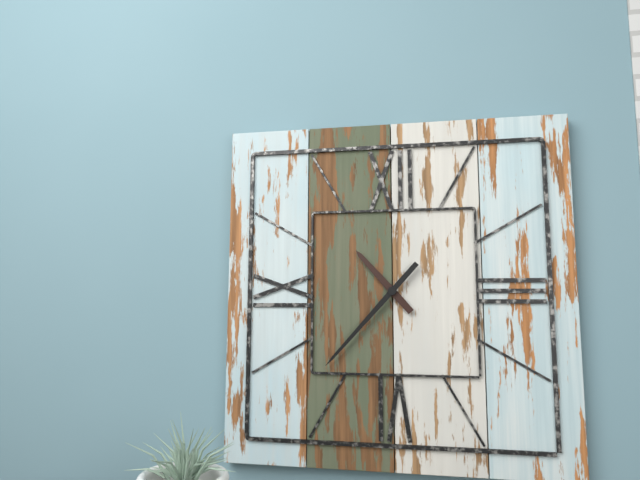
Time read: 10:37
